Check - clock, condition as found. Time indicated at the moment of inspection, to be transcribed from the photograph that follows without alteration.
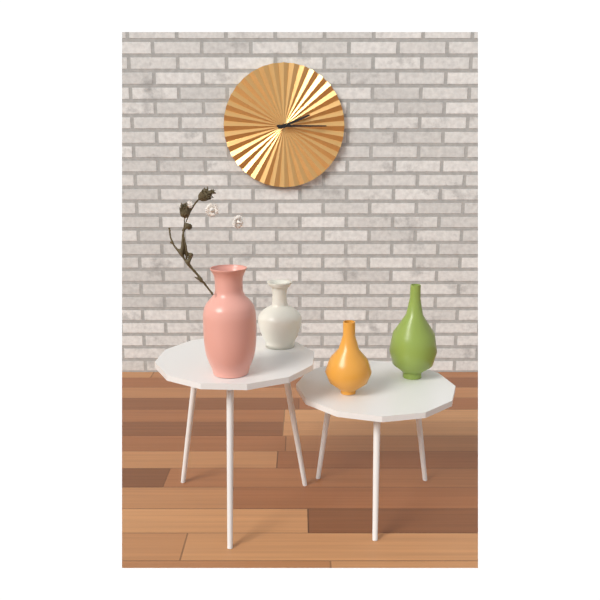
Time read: 2:15
